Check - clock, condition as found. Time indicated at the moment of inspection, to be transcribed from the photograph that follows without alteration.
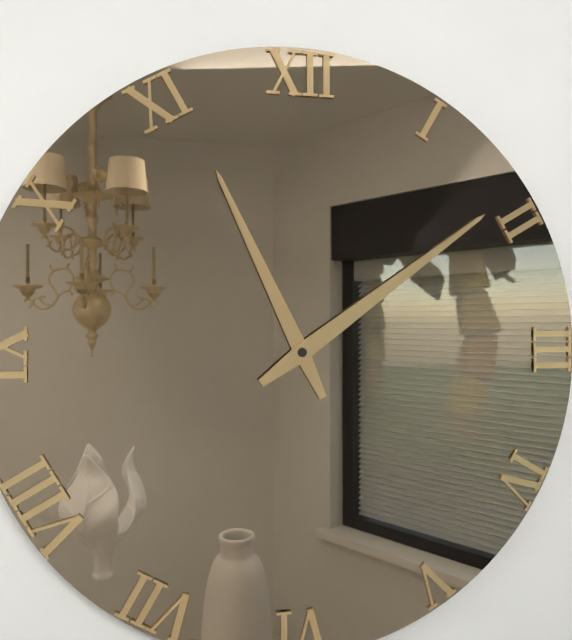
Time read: 11:09
